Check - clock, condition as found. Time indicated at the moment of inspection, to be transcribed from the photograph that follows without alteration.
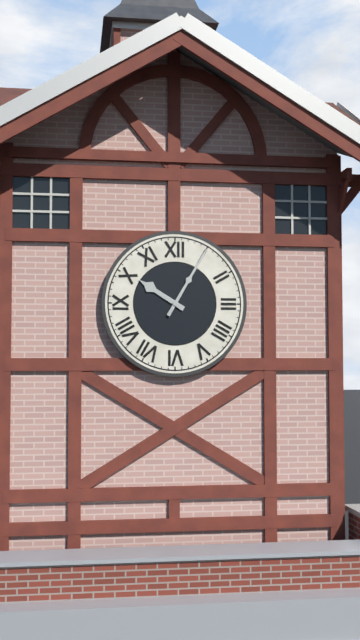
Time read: 10:05
